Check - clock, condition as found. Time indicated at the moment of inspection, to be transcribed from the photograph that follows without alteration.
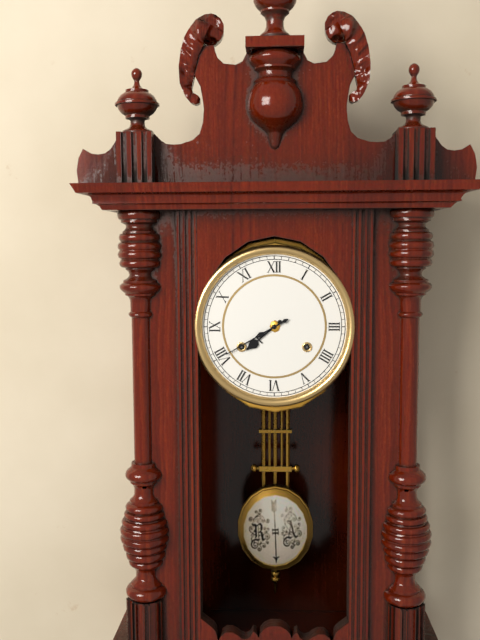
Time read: 7:40
